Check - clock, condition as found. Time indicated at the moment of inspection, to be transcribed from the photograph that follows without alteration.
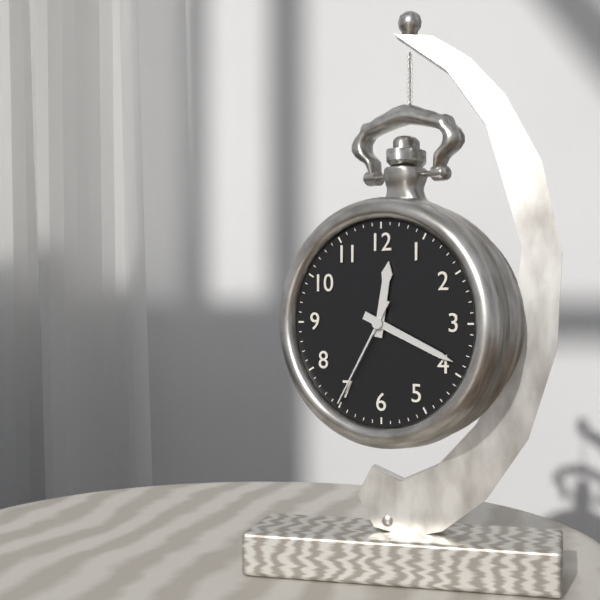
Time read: 12:19:35
